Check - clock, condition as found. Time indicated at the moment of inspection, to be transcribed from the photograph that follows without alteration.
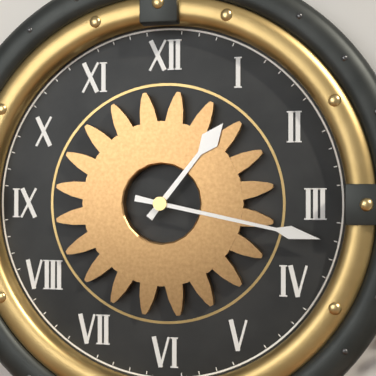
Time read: 1:17
